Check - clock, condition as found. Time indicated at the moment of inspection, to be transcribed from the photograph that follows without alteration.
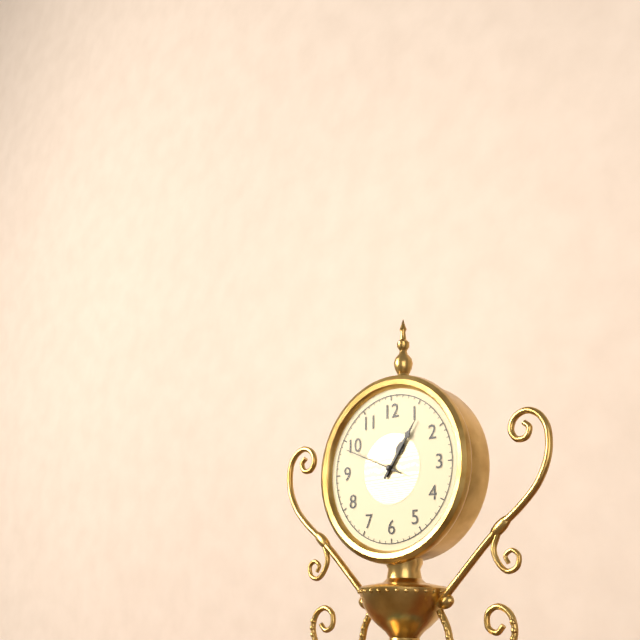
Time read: 1:06:49
